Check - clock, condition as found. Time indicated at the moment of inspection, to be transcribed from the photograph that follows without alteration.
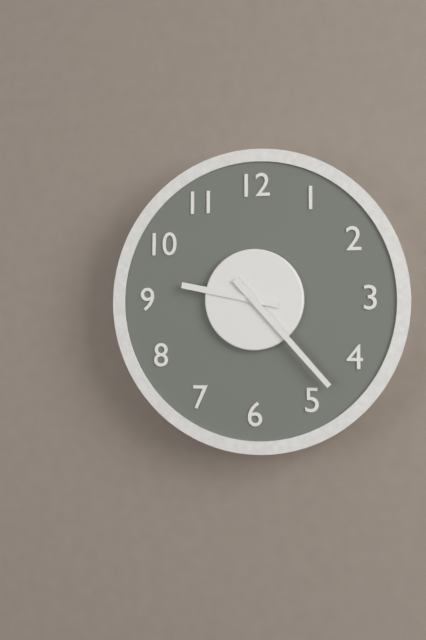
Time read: 9:23
